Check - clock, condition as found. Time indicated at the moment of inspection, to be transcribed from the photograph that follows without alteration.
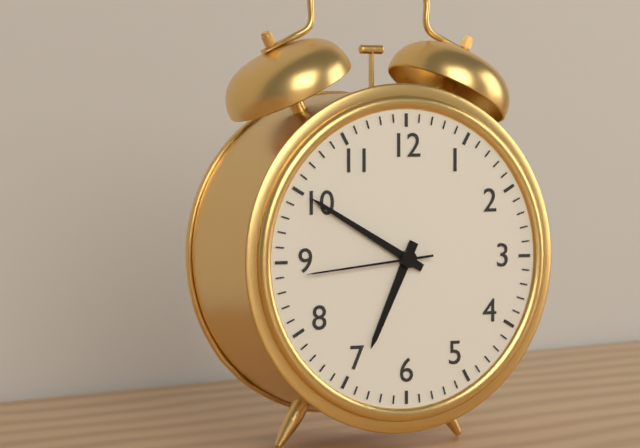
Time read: 6:50:44
